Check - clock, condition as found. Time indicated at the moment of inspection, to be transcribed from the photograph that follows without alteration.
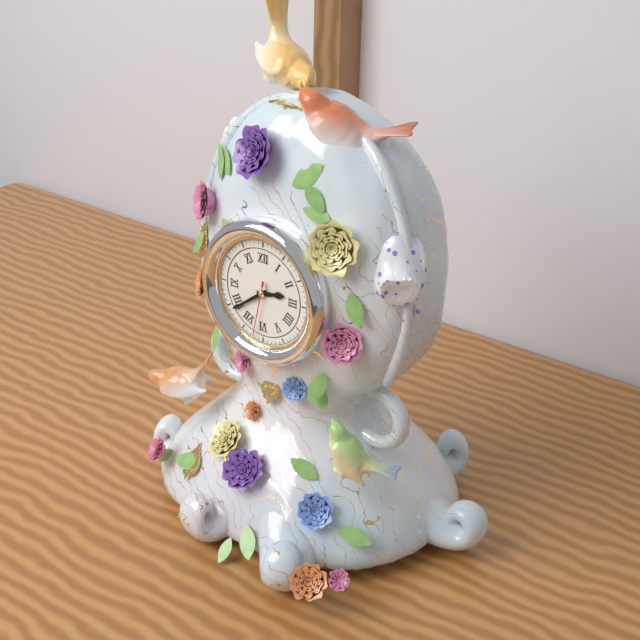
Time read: 2:39:32
